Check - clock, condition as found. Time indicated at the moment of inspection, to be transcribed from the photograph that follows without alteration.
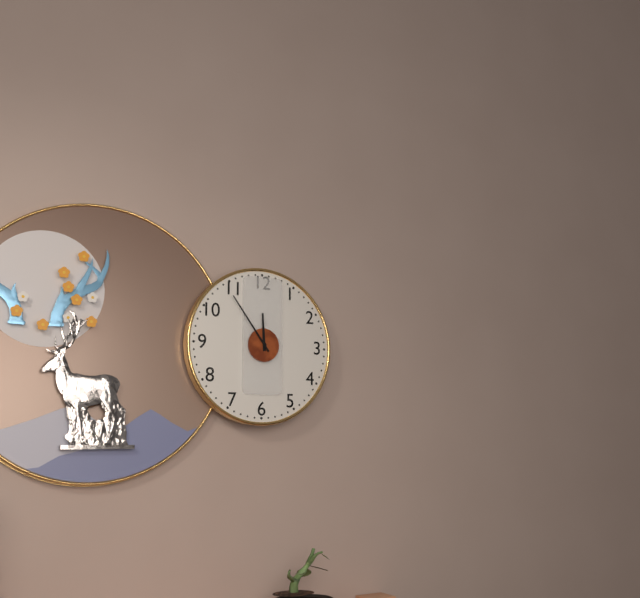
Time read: 11:54
